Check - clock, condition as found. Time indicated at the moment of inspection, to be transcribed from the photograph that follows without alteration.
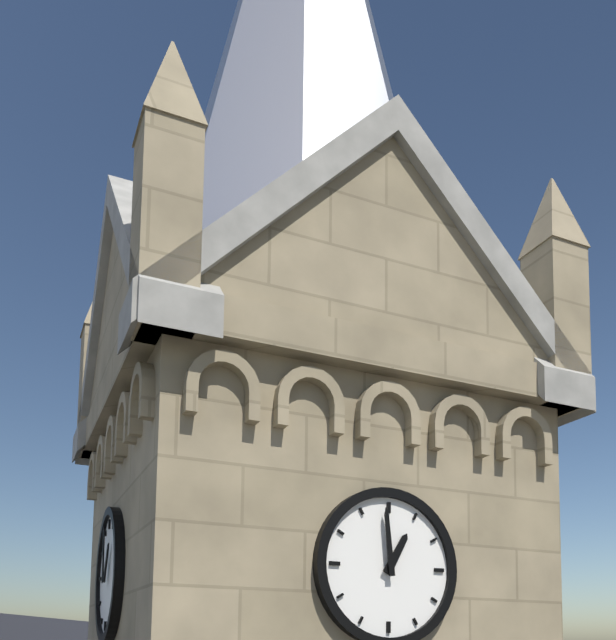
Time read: 12:59
